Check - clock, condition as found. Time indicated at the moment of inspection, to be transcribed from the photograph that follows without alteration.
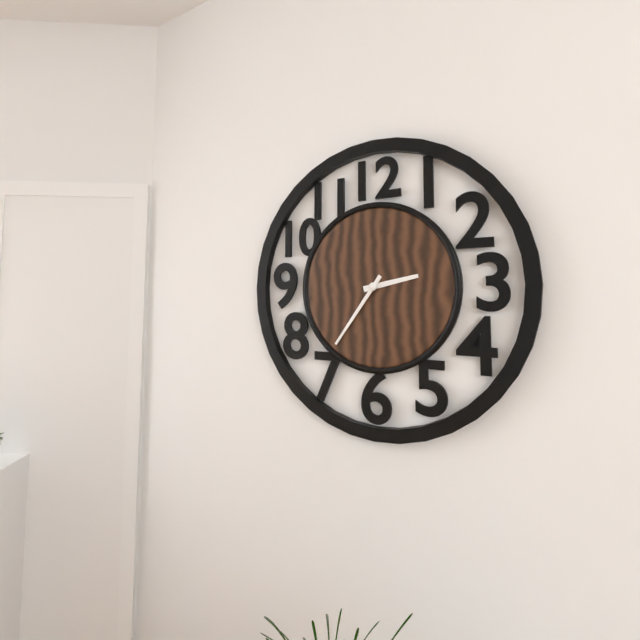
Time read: 2:36
